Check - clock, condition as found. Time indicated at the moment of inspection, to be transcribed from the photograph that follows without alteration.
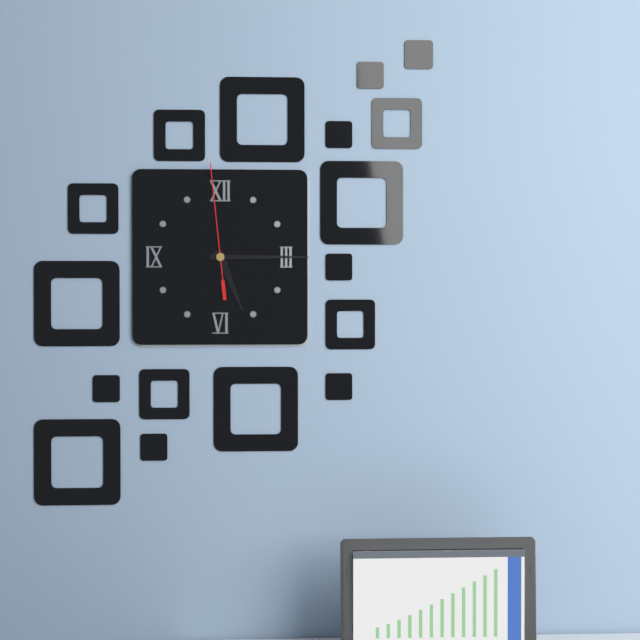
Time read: 5:15:59
